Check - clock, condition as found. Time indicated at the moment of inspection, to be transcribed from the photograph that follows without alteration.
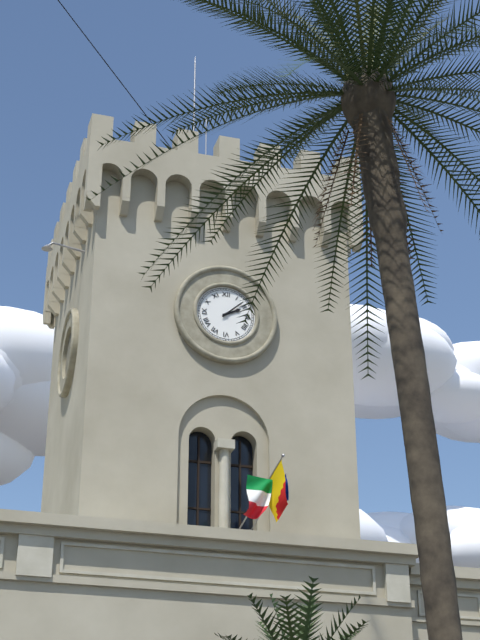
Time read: 2:08
